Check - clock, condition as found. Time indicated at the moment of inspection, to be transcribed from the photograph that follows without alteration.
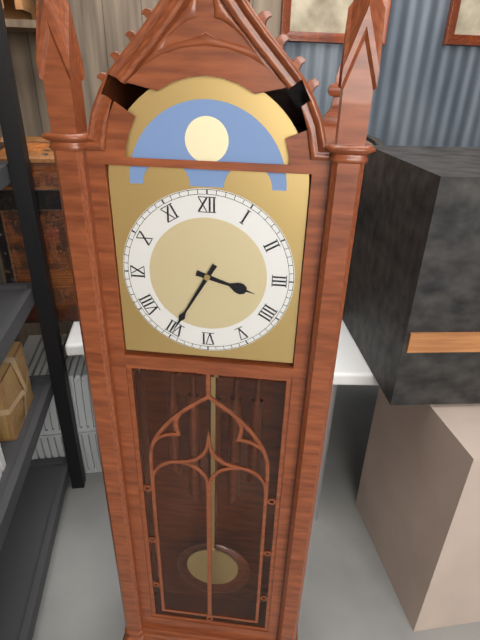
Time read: 3:35
